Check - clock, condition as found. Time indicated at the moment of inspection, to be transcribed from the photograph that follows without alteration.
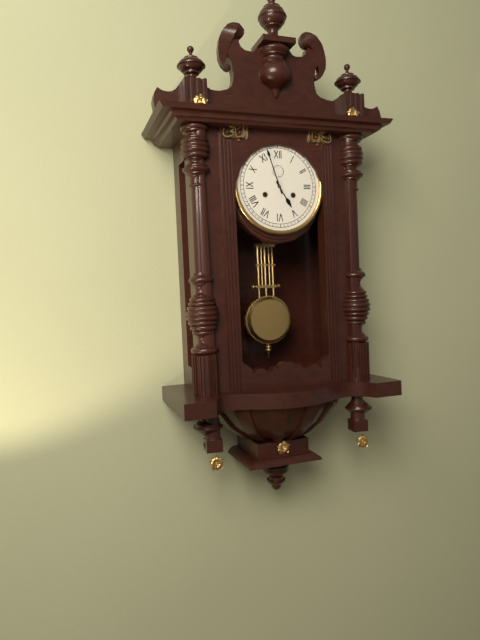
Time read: 4:57
